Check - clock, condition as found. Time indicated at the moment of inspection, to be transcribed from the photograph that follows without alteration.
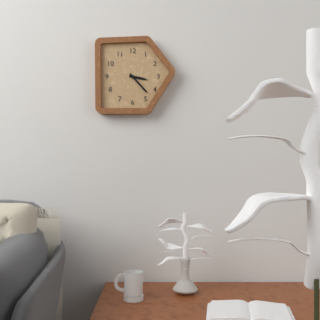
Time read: 3:23
